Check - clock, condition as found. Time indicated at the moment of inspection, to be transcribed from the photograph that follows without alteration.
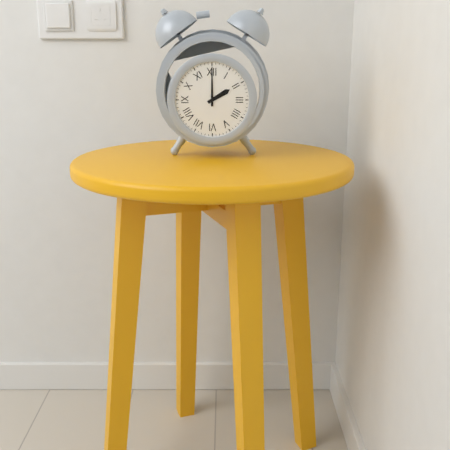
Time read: 2:00
